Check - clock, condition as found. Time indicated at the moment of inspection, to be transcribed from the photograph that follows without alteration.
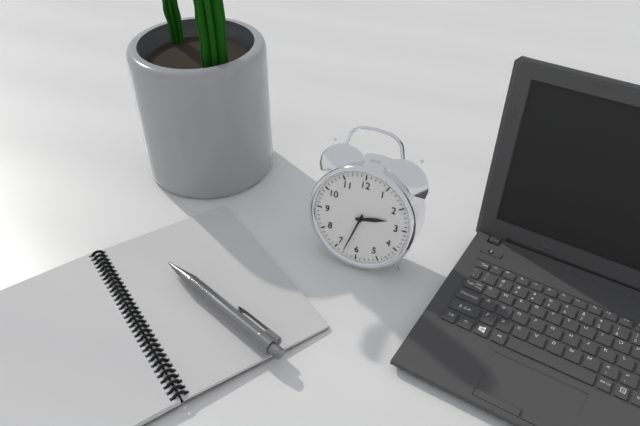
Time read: 2:33
